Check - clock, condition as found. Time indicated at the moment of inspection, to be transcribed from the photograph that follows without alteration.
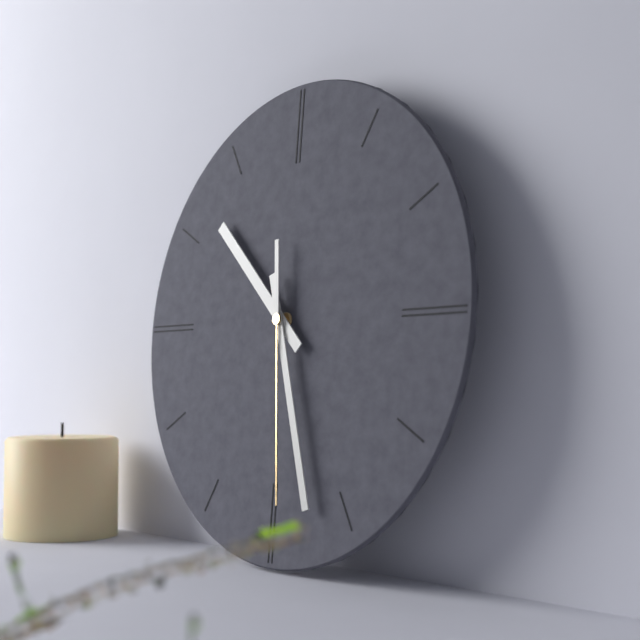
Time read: 10:27:29
